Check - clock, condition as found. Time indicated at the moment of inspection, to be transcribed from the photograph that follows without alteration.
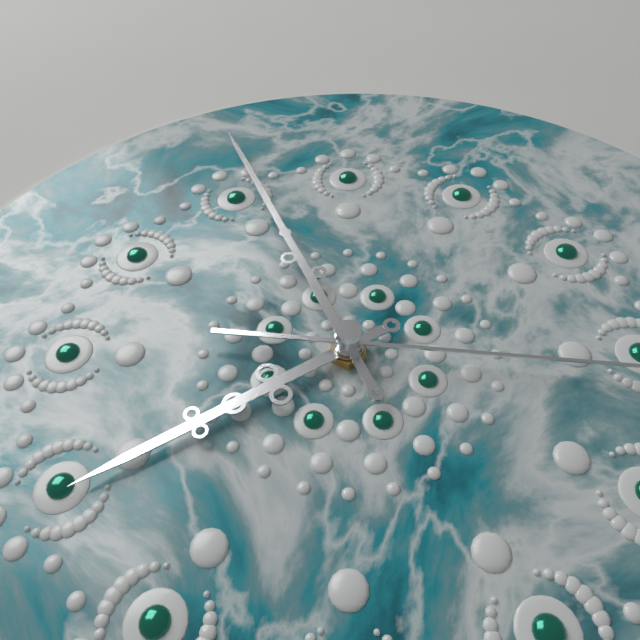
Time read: 7:56
